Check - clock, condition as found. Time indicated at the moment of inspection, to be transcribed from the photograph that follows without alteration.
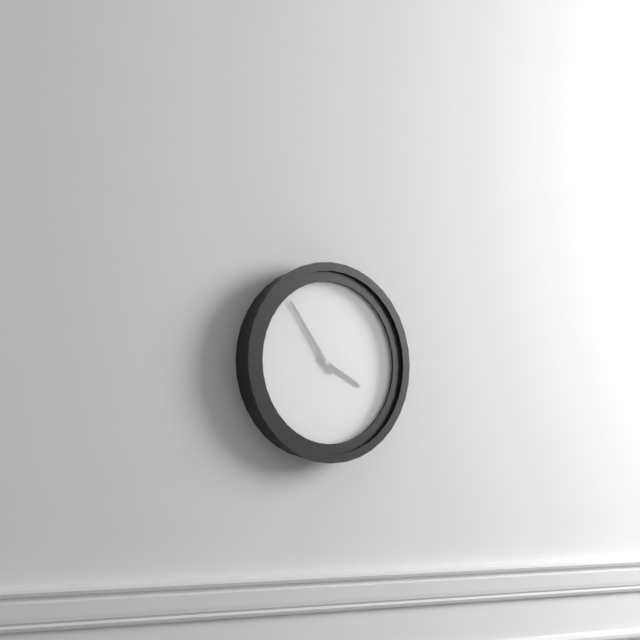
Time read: 3:54
